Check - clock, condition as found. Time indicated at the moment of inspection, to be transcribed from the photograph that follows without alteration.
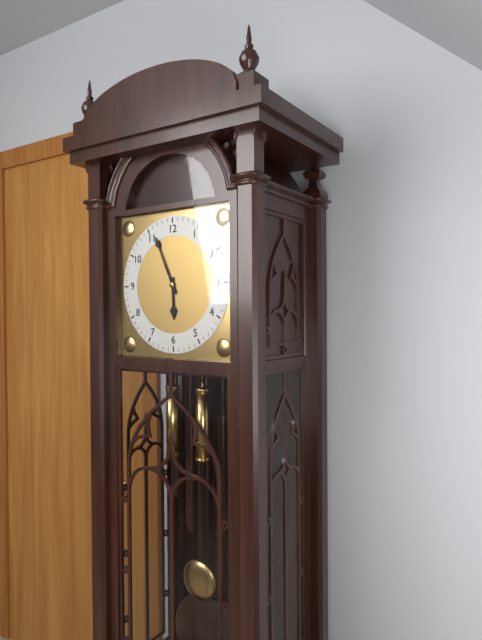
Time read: 5:56
